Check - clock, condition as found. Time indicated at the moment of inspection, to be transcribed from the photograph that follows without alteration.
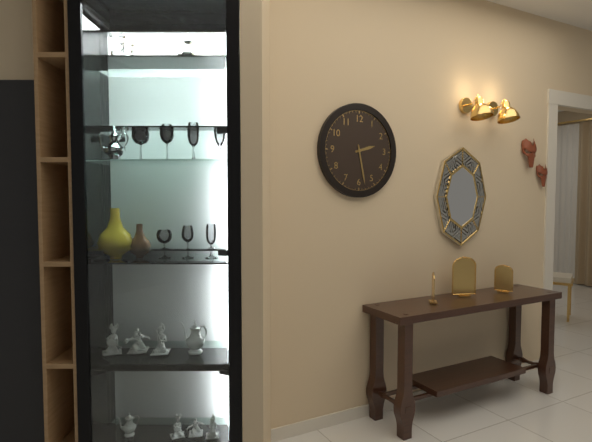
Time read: 2:28
